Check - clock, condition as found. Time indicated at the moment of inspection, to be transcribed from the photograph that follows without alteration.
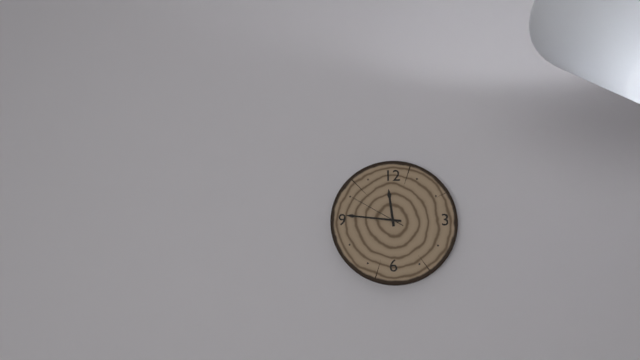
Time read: 11:46:50
